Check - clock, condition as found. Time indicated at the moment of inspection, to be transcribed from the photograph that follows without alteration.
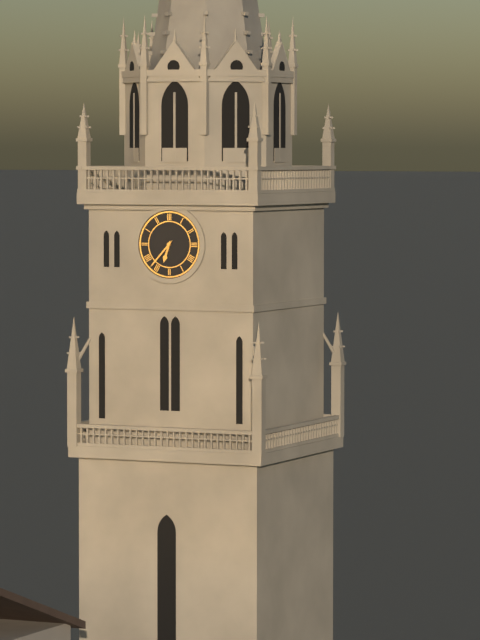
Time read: 6:37
